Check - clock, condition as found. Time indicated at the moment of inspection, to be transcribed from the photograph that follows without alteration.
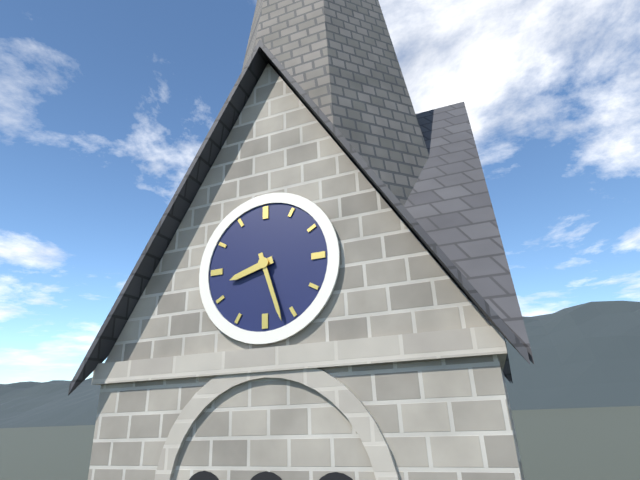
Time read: 8:27
